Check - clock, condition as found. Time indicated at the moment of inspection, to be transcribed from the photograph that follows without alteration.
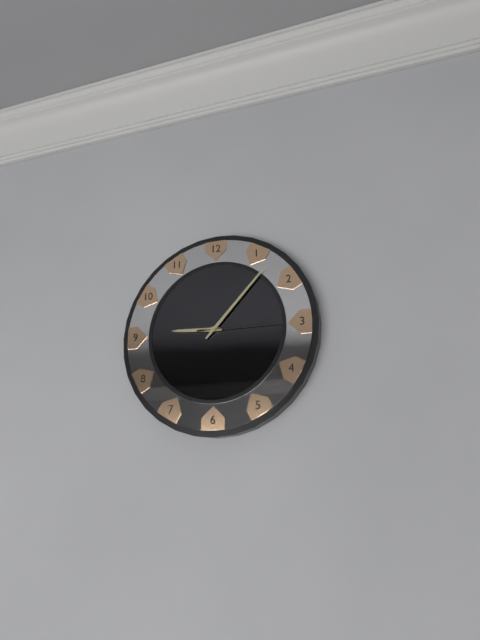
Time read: 9:07:15
